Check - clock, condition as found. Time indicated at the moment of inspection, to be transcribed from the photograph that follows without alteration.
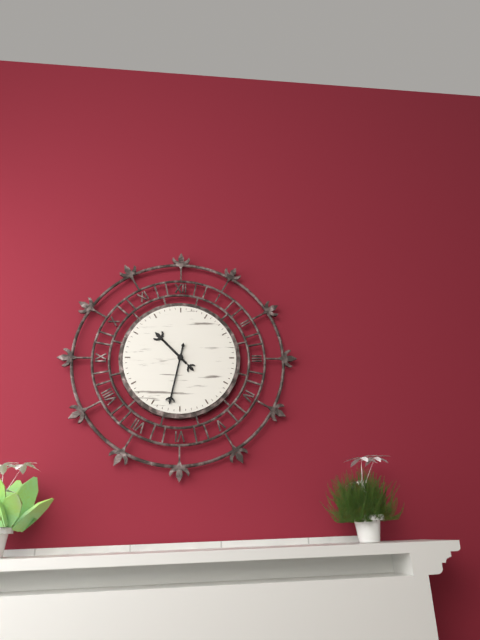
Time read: 10:32
